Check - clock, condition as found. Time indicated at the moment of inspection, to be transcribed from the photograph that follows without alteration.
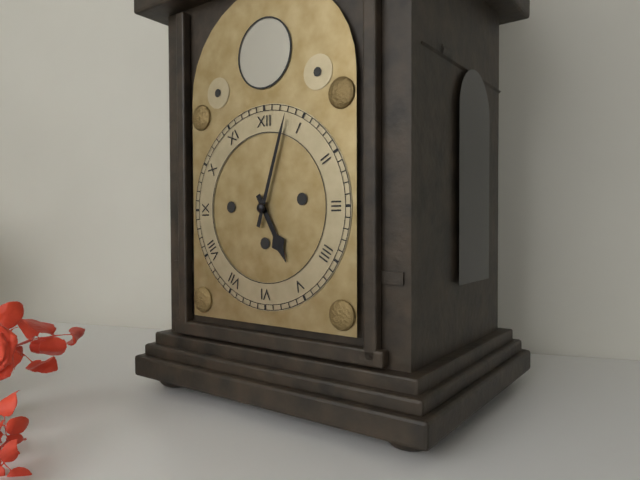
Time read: 5:03
